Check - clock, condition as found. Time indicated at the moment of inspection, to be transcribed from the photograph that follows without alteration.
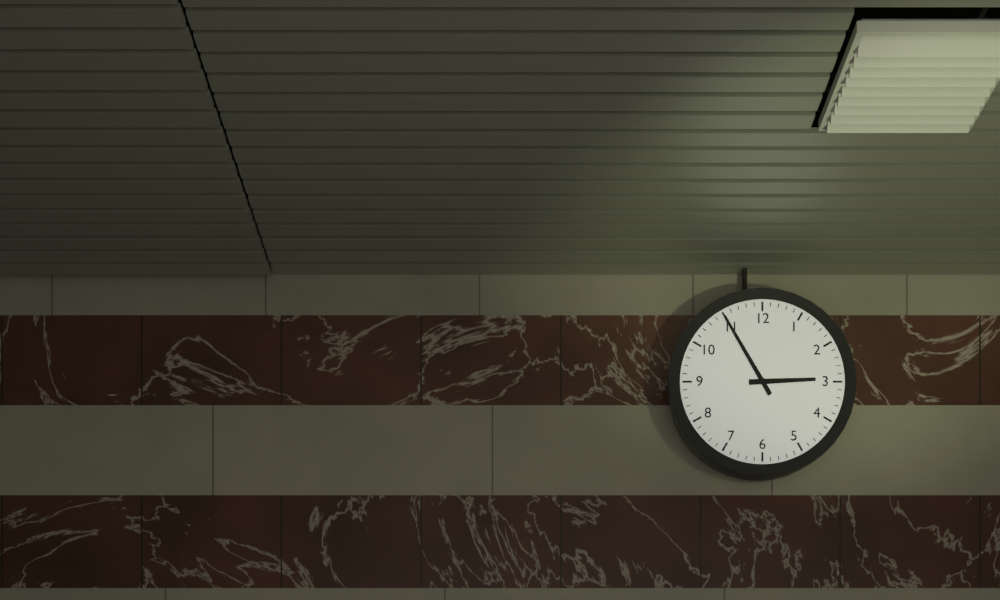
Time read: 2:55
